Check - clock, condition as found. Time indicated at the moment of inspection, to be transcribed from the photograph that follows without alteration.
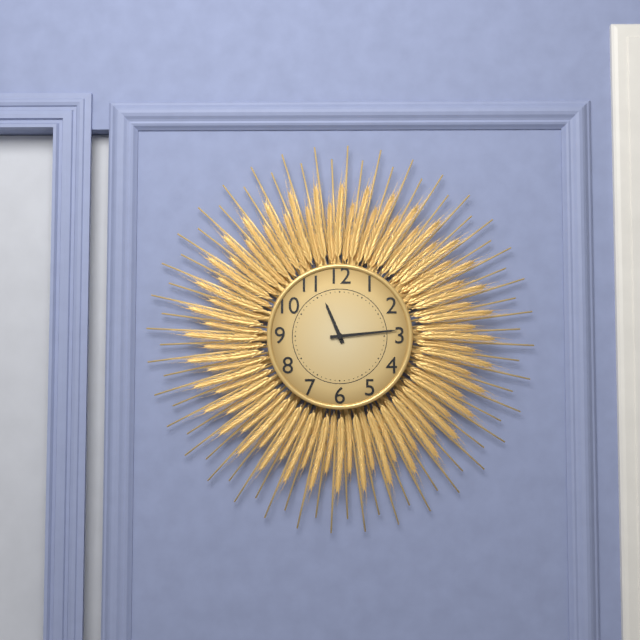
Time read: 11:14
